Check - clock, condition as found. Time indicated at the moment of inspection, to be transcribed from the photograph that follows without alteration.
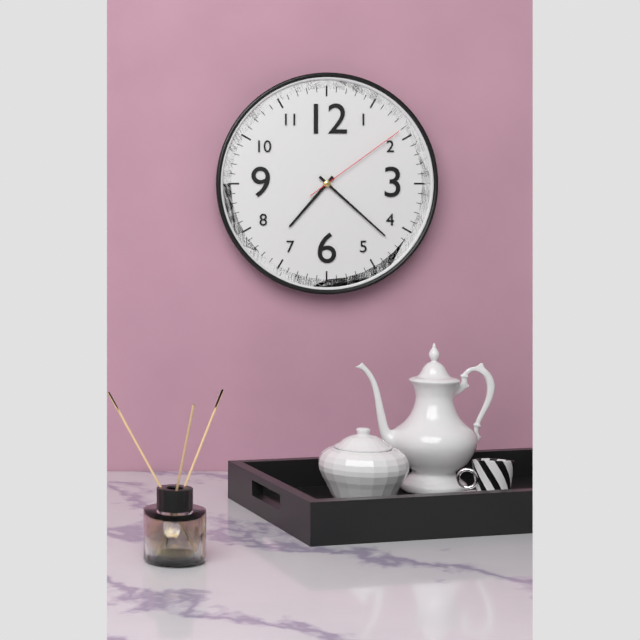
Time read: 7:22:09
